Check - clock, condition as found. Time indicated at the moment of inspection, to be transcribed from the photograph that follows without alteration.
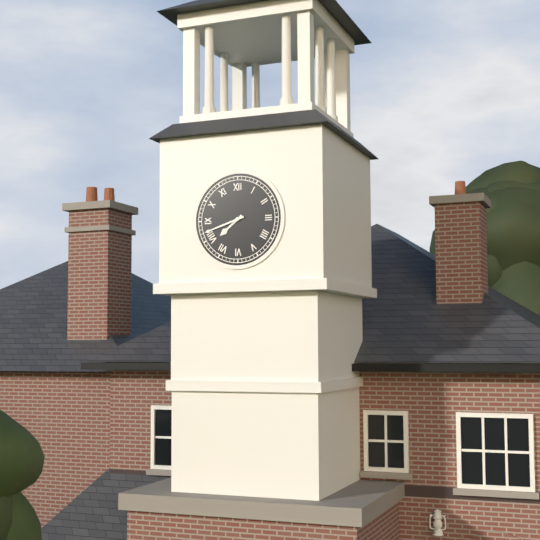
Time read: 7:42
